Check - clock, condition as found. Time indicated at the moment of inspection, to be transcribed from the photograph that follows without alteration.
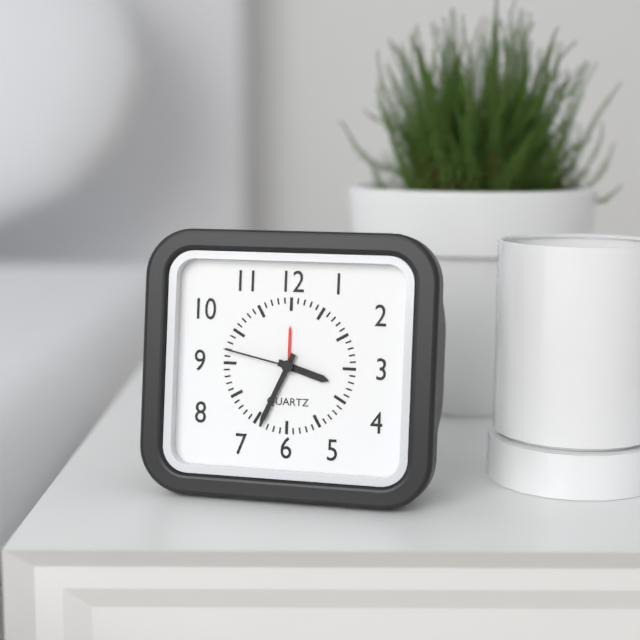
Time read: 3:34:47
